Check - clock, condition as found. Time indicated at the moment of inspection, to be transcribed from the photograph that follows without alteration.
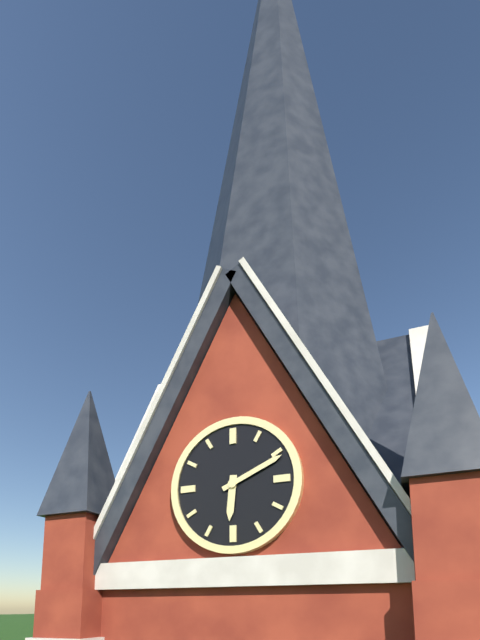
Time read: 6:11
